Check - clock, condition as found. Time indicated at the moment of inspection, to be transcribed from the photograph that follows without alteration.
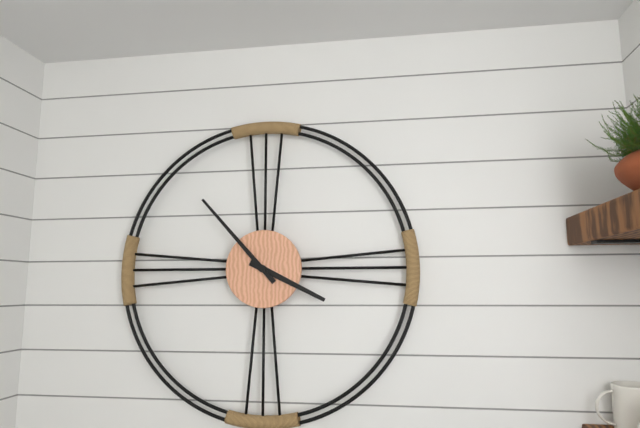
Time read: 3:53
